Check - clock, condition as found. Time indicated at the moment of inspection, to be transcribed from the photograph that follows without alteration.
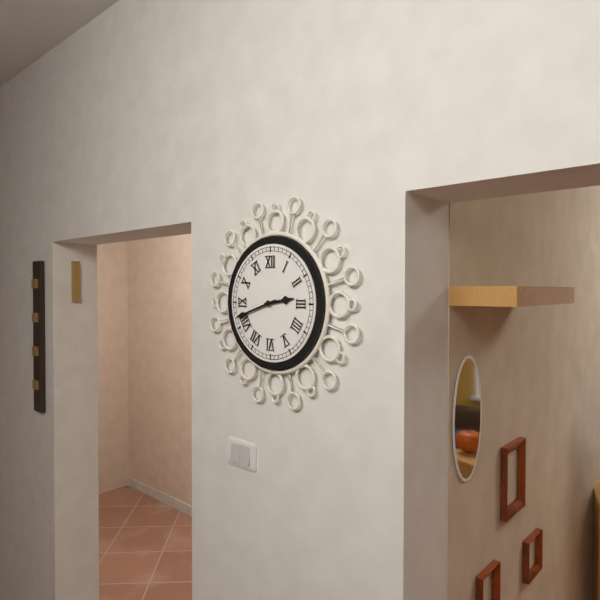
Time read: 2:42
